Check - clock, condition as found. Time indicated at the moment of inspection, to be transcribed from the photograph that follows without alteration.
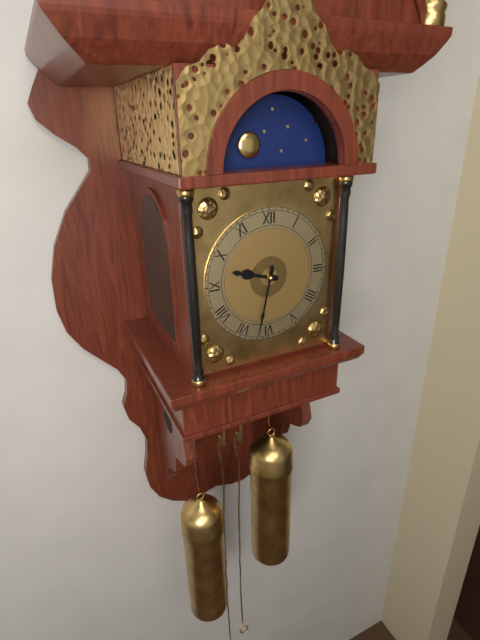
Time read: 9:32
